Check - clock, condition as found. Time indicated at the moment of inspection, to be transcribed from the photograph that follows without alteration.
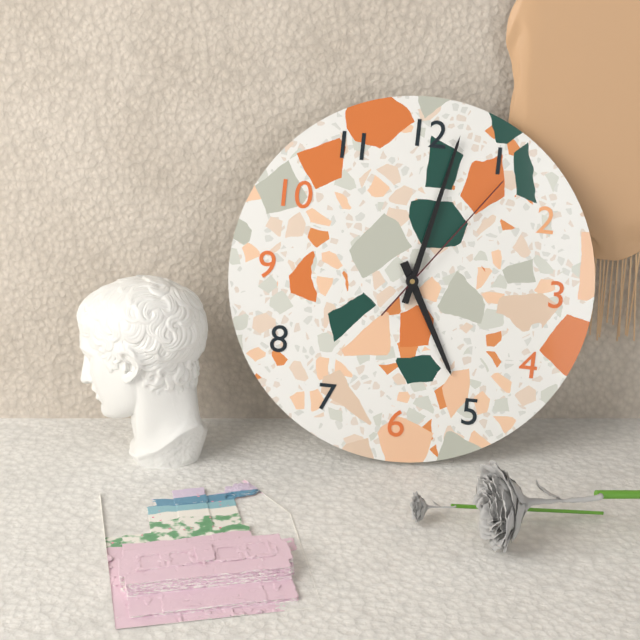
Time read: 5:02:06
